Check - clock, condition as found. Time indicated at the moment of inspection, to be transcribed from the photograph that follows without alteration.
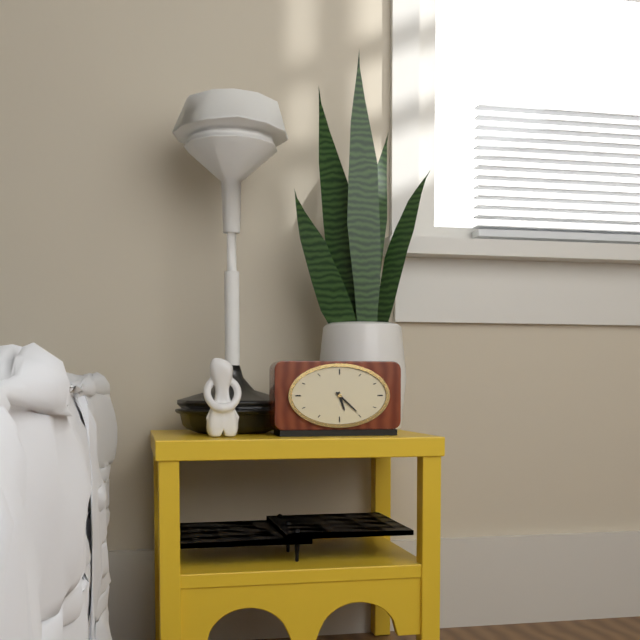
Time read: 5:22
